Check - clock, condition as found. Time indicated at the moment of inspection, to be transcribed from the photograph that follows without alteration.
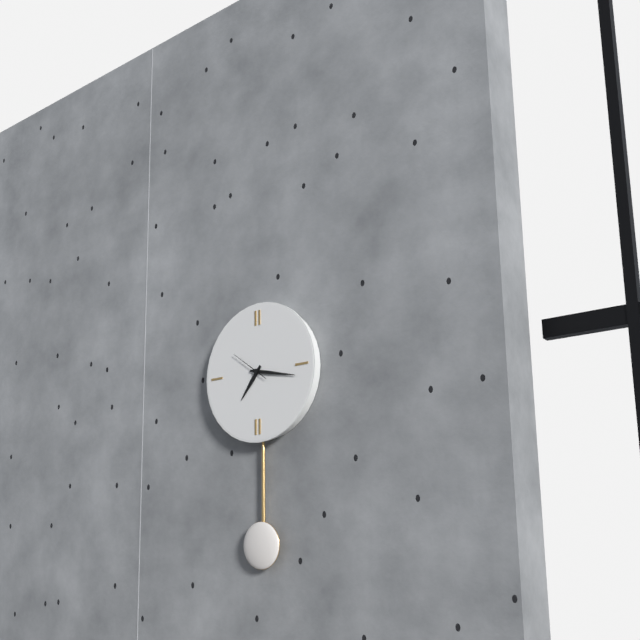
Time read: 7:17
